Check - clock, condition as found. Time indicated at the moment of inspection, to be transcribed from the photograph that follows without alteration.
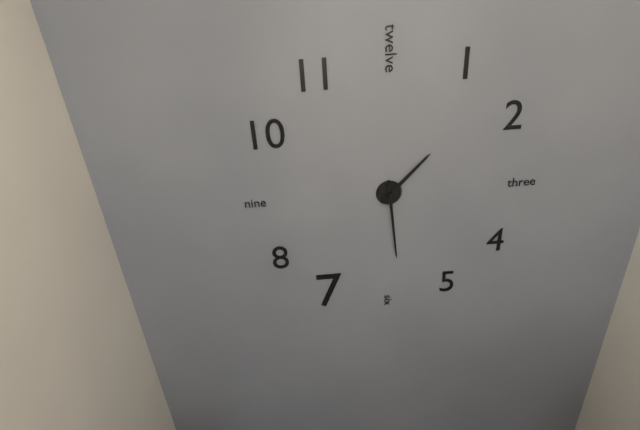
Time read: 1:29
